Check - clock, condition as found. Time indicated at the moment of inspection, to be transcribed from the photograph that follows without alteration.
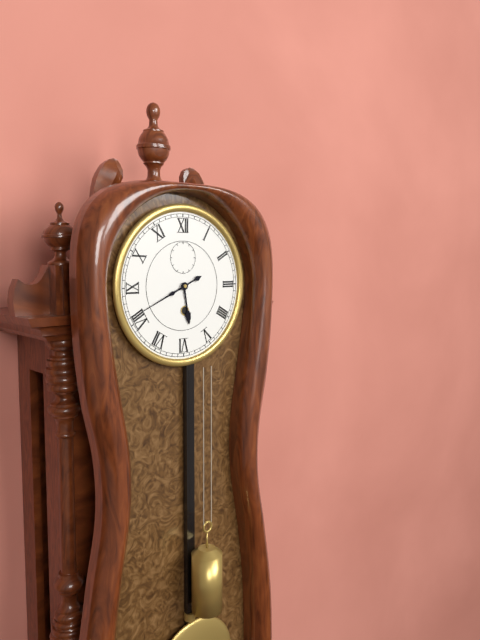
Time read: 5:41
